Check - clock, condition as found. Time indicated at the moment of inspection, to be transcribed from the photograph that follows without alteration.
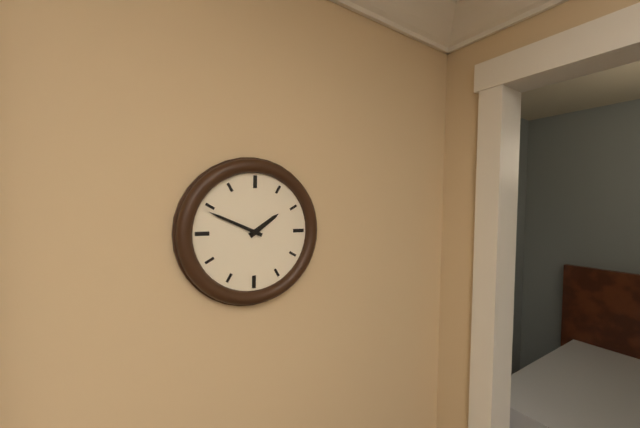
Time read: 1:49
